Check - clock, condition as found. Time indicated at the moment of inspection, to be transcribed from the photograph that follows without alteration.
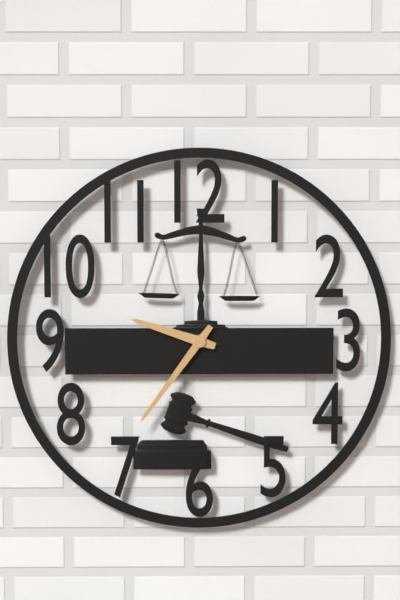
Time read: 9:36
